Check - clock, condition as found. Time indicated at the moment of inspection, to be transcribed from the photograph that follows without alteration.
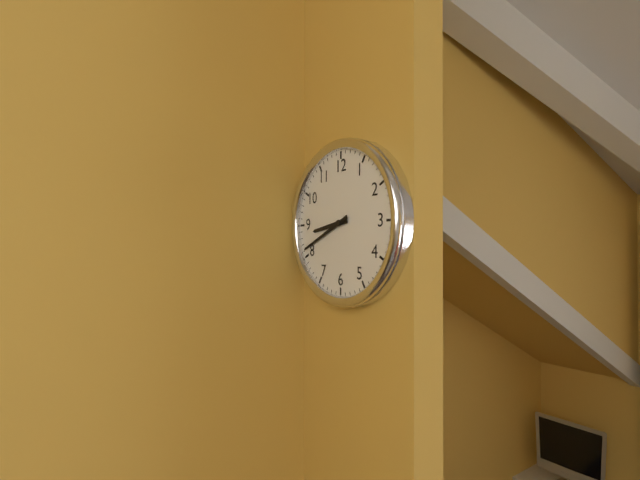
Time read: 8:41
